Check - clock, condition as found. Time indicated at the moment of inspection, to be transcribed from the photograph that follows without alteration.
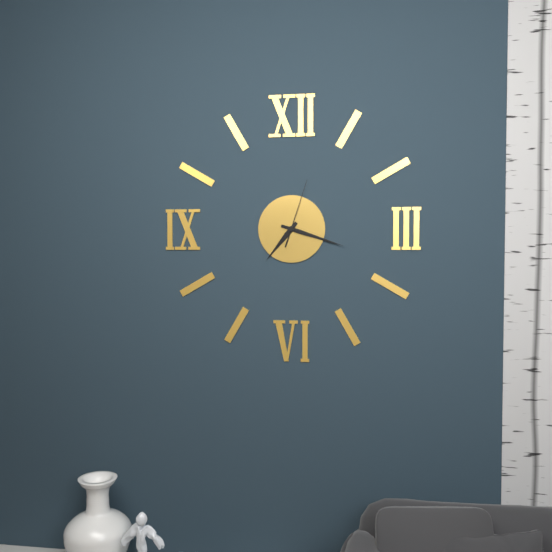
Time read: 7:18:03
